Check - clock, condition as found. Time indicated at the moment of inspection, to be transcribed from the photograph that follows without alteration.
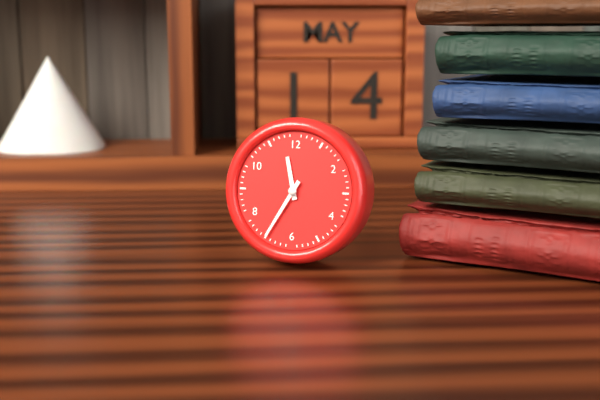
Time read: 11:35
